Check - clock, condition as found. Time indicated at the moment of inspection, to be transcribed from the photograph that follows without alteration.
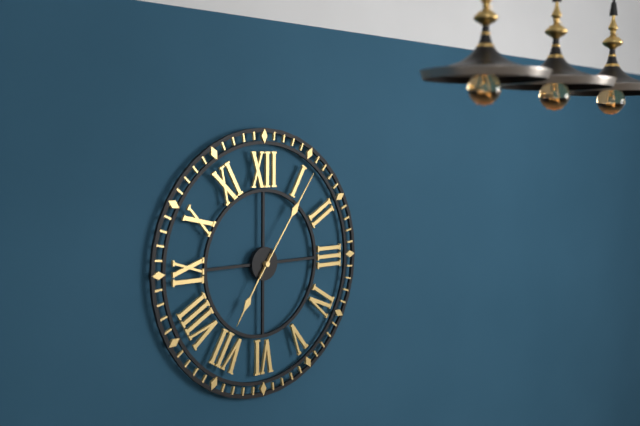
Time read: 7:06
